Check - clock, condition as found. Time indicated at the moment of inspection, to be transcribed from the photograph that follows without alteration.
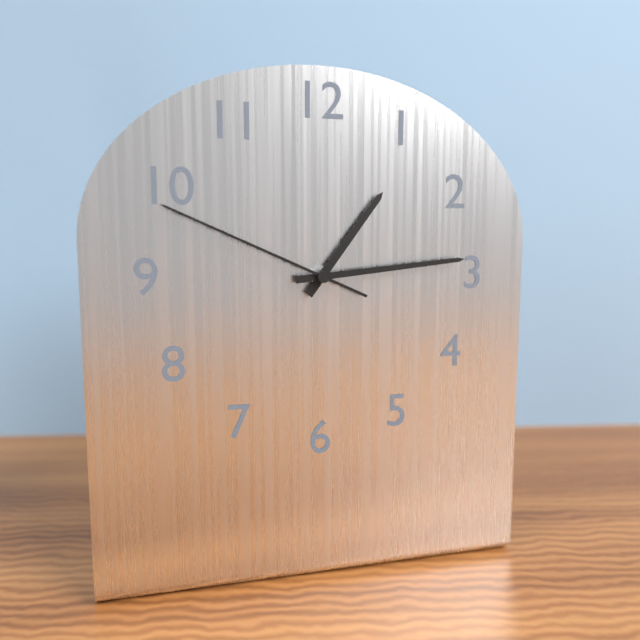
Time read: 1:14:49
